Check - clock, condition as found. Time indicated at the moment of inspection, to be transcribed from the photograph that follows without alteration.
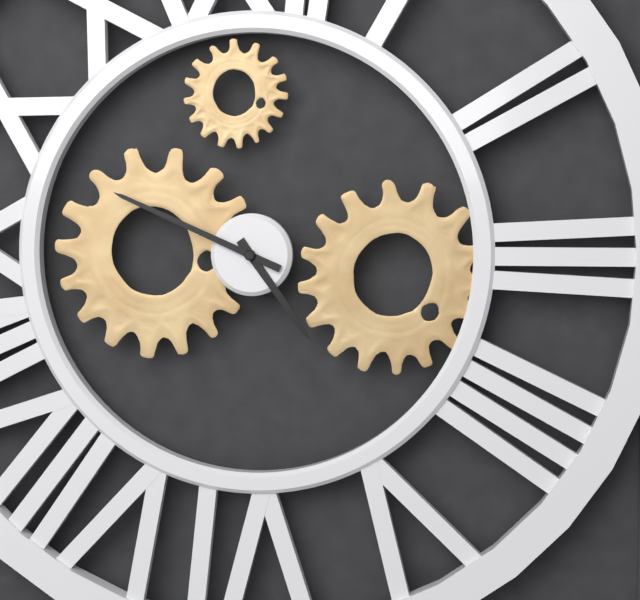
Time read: 4:49
